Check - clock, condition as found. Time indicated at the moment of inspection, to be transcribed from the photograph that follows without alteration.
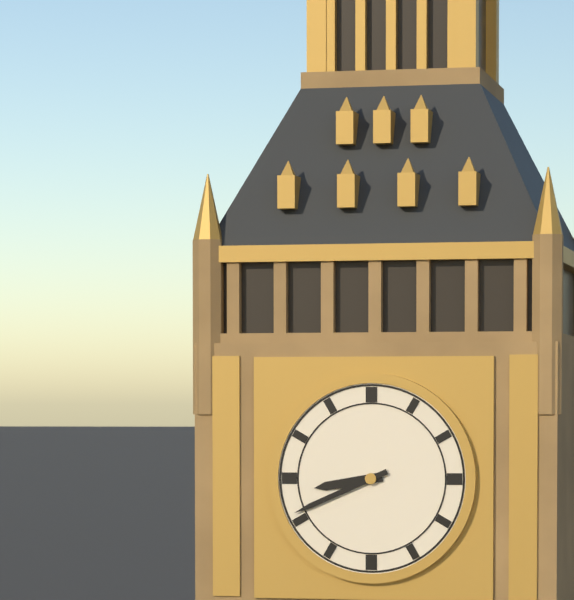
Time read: 8:41
